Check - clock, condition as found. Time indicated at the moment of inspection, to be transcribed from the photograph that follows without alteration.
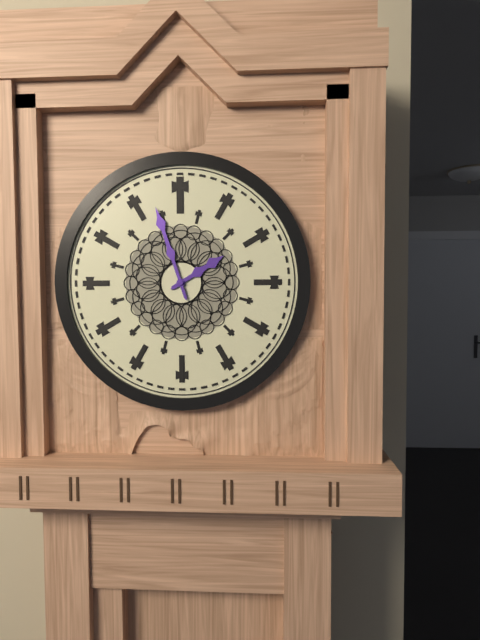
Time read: 1:57
